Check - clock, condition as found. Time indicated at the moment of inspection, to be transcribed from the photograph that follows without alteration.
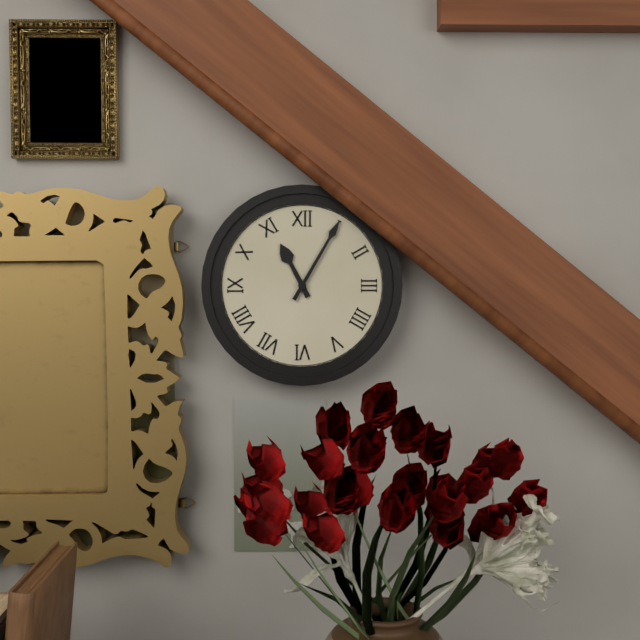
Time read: 11:05
